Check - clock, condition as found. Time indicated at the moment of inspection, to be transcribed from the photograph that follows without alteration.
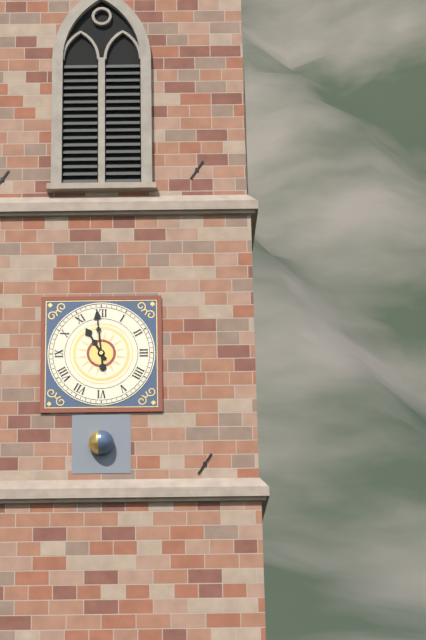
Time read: 10:59
